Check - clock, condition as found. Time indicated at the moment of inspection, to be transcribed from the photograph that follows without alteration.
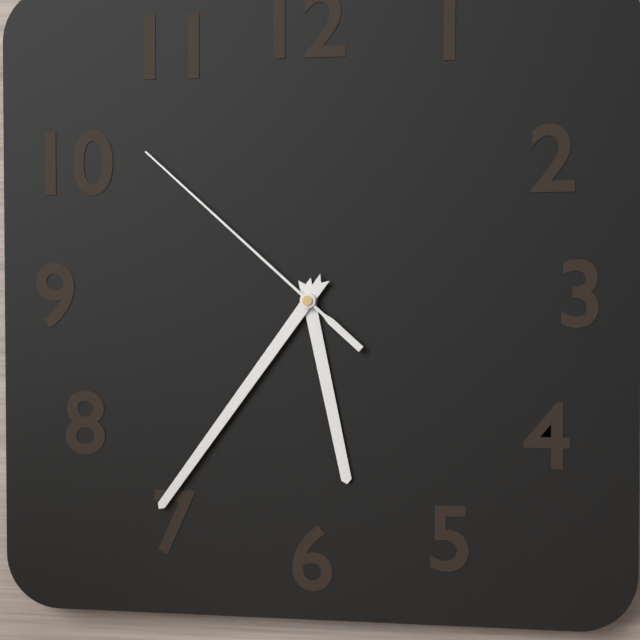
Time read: 5:36:52
